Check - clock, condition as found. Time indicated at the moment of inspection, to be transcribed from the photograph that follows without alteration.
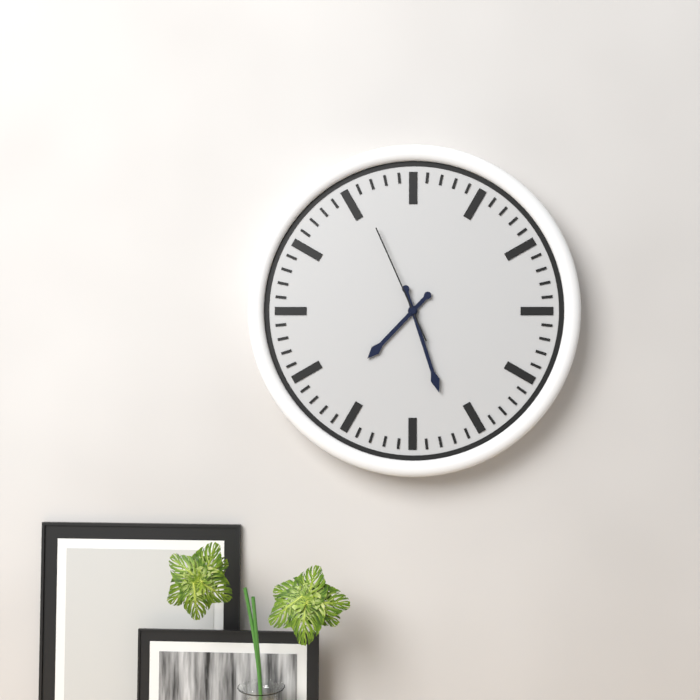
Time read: 7:27:56
